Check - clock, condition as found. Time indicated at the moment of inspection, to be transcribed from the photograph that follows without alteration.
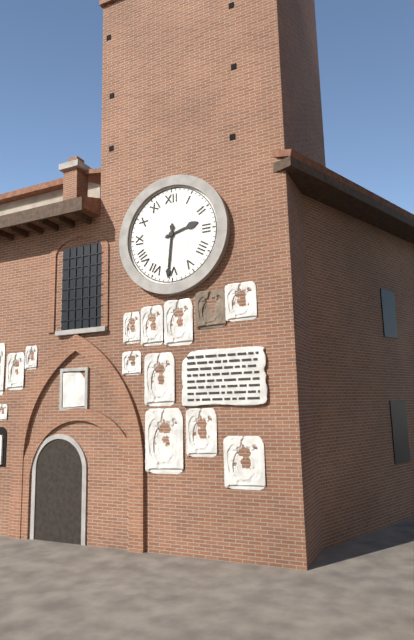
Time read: 2:31
